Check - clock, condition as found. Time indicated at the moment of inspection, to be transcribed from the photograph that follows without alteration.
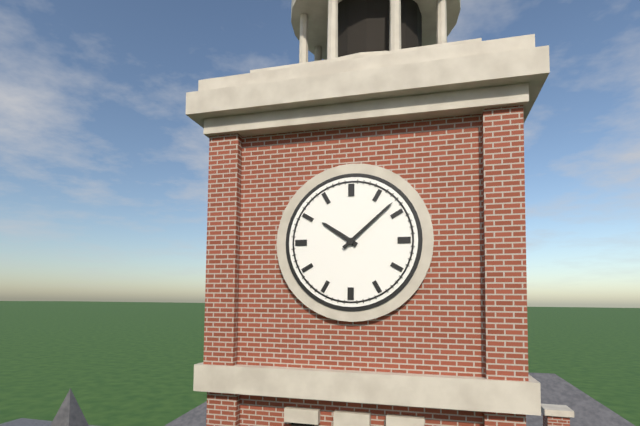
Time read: 10:08
